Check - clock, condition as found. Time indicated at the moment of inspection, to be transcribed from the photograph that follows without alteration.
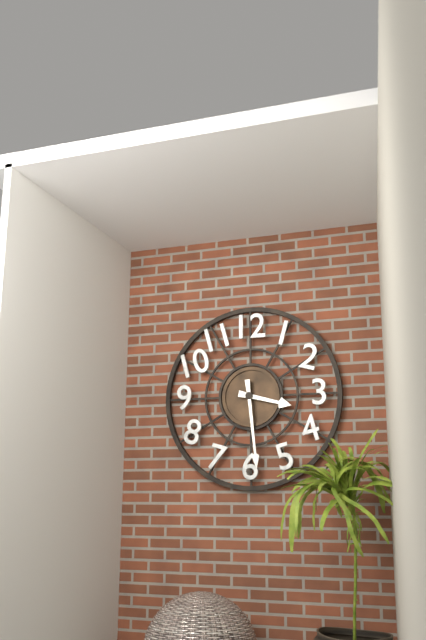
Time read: 3:29
